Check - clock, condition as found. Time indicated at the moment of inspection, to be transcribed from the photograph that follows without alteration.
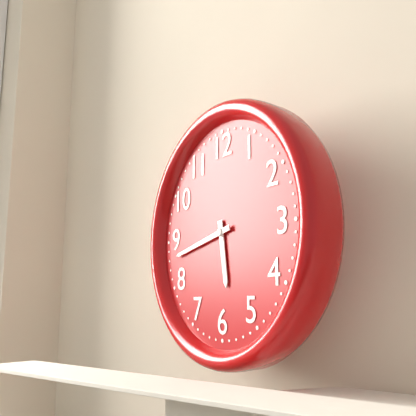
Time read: 5:43
